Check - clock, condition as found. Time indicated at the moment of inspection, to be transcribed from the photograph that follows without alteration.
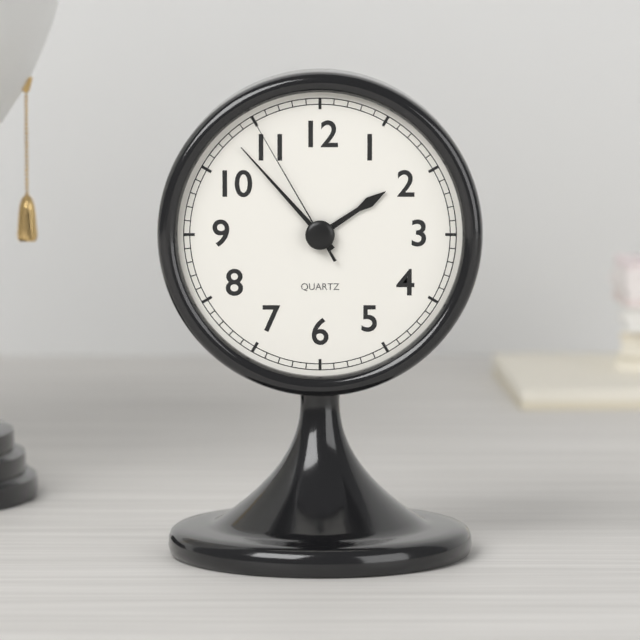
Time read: 1:53:55
